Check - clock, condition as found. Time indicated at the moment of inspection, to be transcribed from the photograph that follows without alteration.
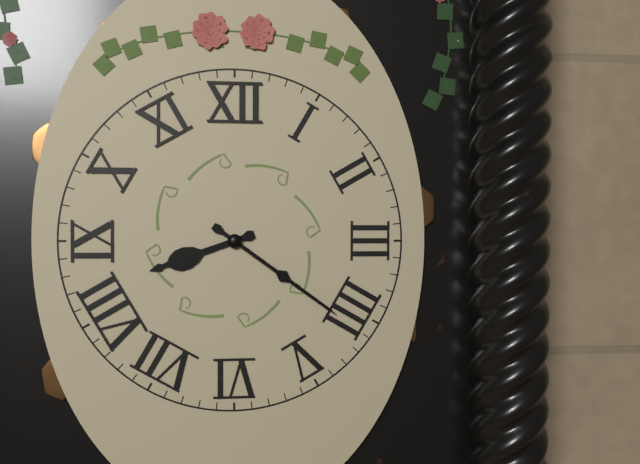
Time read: 8:21
